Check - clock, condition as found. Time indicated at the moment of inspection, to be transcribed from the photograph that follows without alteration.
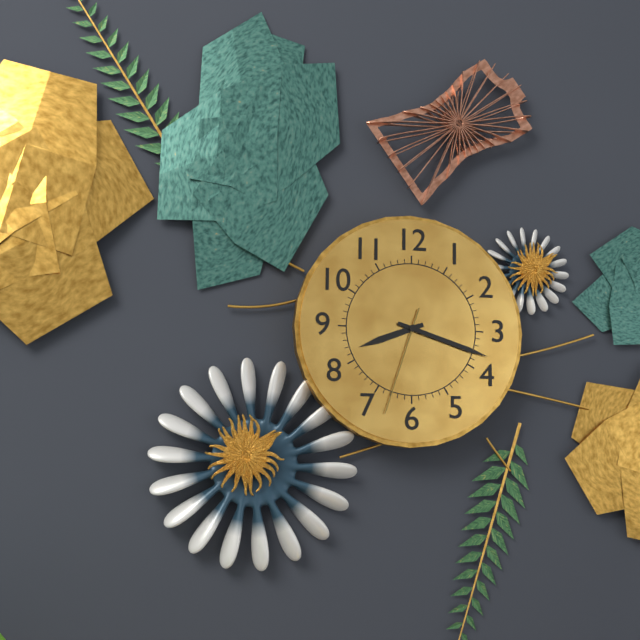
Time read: 8:18:33
